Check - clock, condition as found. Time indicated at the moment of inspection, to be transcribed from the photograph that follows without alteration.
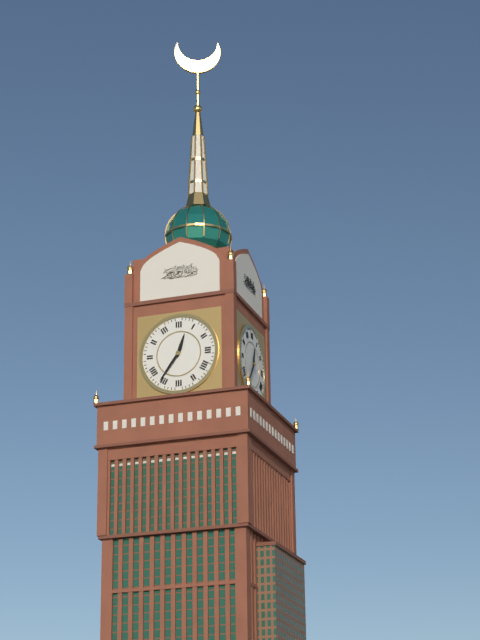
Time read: 12:36
